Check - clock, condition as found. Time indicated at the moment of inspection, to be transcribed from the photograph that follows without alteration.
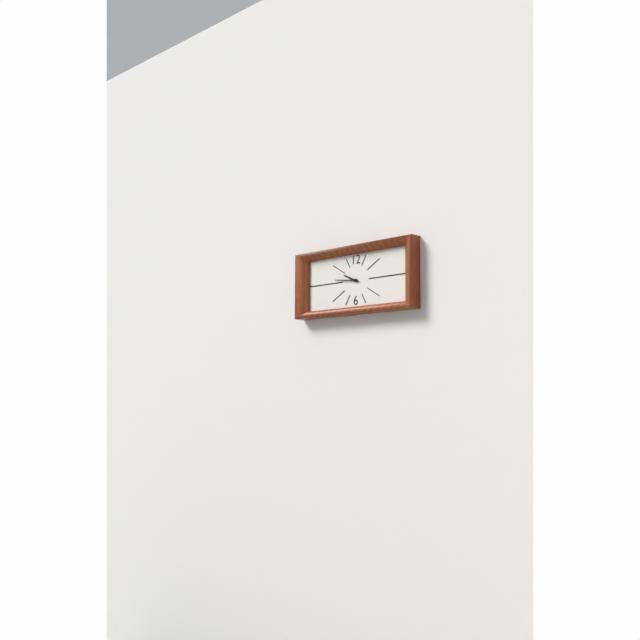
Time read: 9:46
